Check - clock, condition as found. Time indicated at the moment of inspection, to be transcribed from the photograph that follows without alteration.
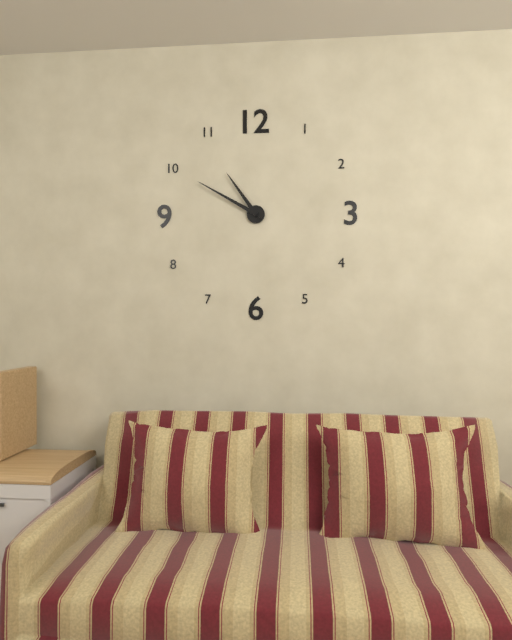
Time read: 10:50
